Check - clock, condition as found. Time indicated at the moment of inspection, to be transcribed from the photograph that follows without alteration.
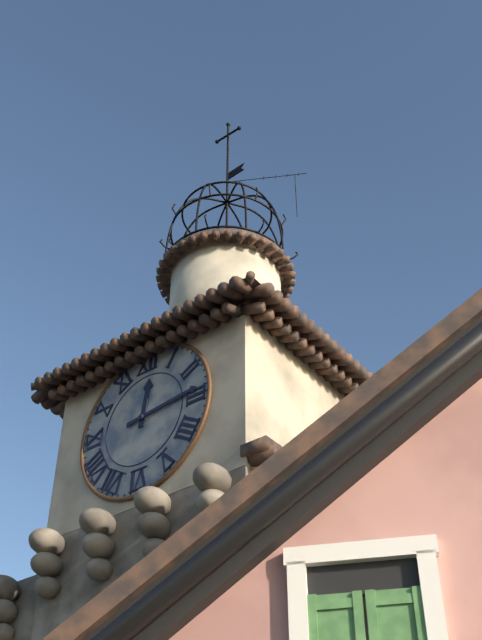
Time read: 12:14
